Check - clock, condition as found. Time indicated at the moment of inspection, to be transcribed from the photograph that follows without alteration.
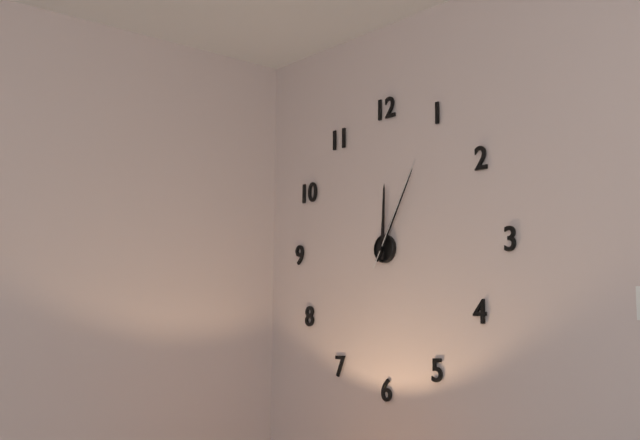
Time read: 12:05:05
